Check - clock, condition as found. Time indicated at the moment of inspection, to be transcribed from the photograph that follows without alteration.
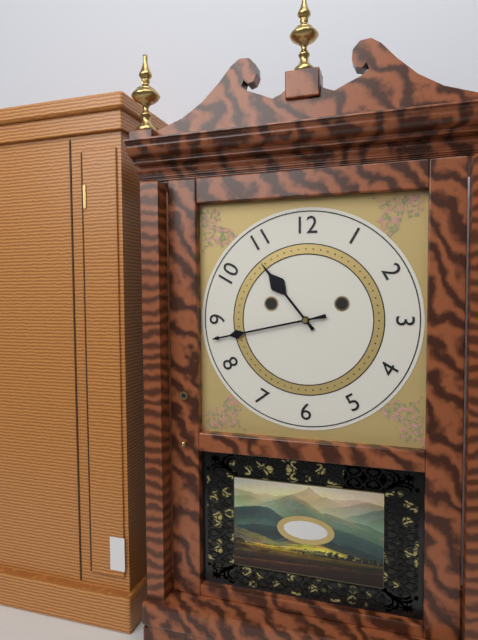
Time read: 10:43
